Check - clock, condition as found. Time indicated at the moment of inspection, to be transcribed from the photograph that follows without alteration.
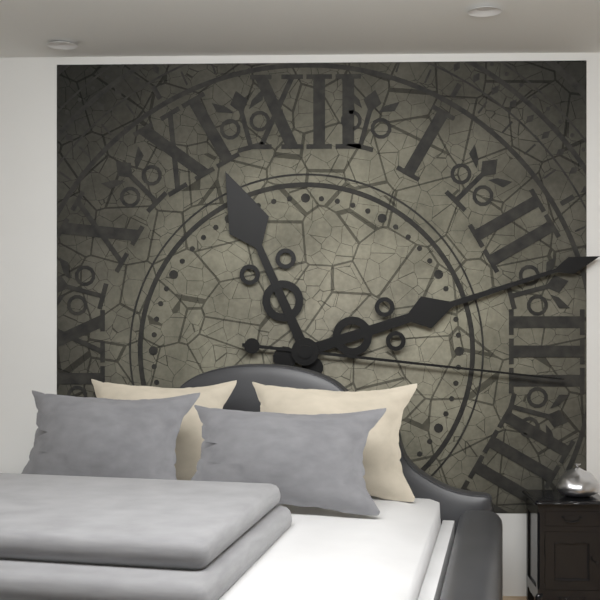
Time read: 11:12:16
